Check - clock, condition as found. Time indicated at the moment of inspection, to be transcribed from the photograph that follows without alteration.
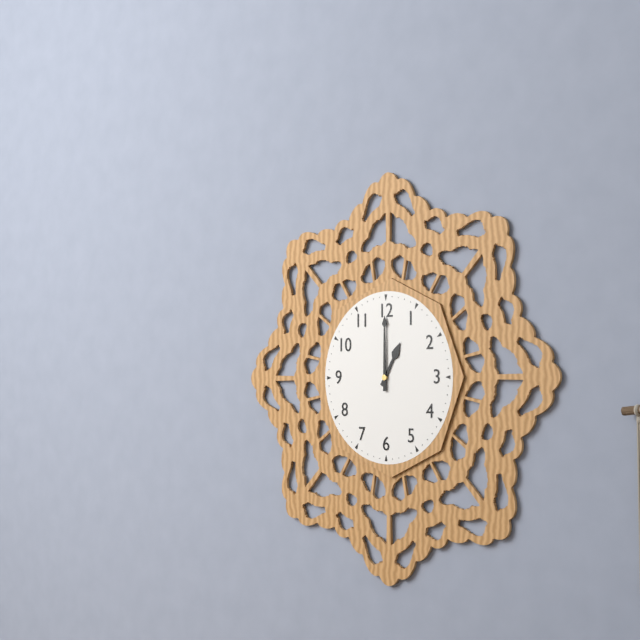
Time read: 1:00
